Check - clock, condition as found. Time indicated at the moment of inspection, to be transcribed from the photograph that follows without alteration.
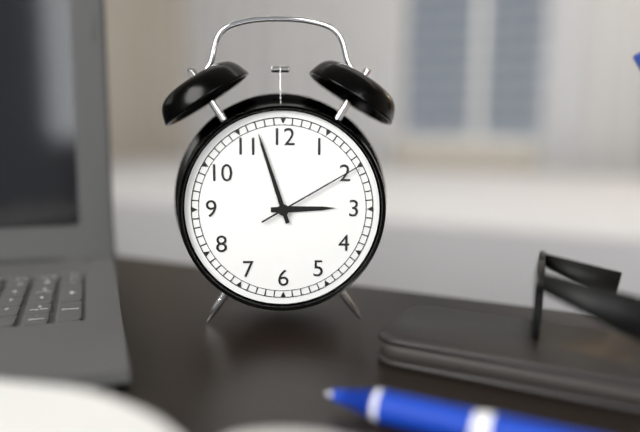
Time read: 2:57:10
